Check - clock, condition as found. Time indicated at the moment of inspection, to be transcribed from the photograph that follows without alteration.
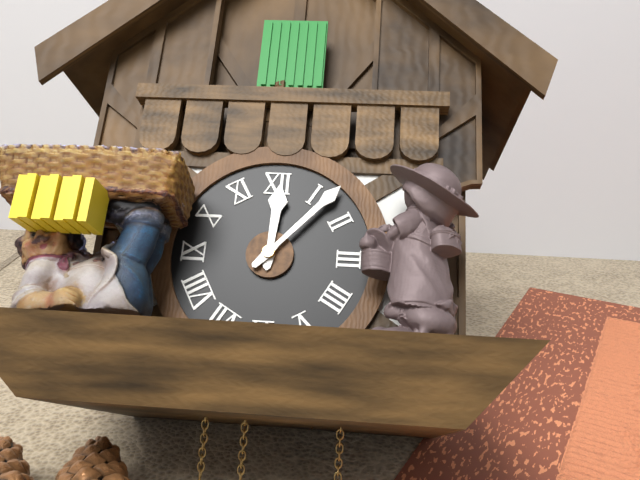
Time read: 12:07
